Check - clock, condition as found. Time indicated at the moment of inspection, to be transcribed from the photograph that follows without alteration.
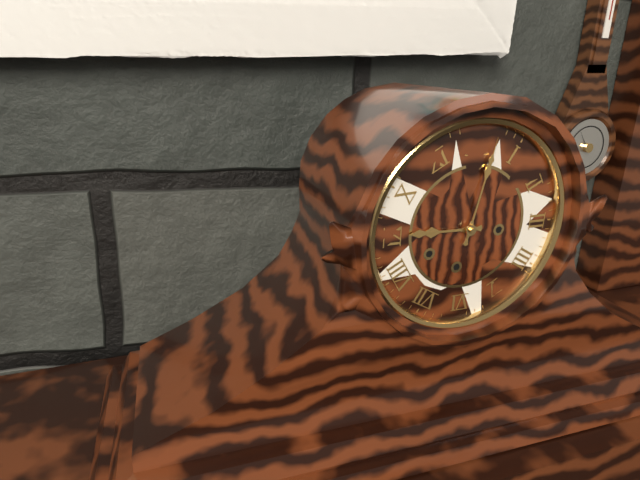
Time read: 9:02
